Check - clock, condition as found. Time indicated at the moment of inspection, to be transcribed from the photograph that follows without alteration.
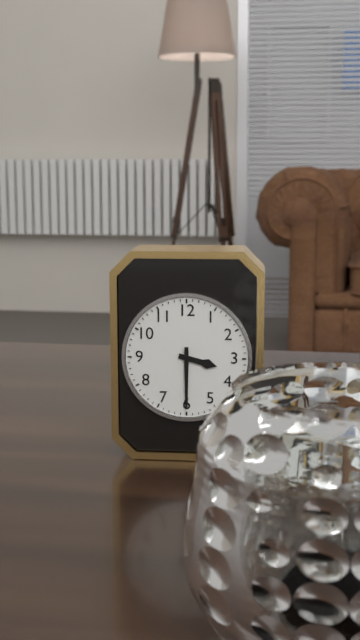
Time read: 3:30
